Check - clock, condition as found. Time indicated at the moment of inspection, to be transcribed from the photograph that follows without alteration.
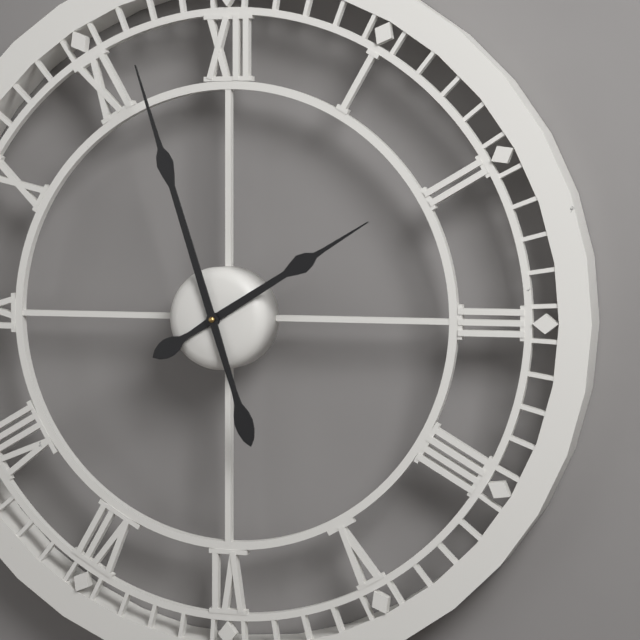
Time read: 1:57
